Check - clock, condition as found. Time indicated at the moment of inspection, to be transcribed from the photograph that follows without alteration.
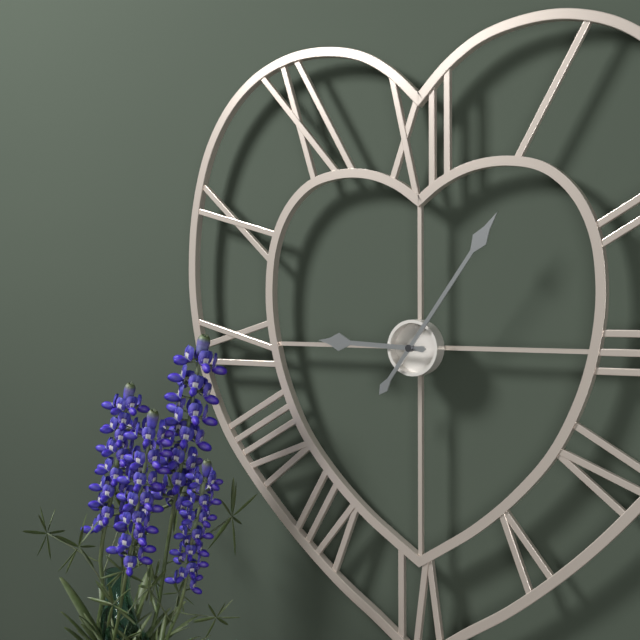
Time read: 9:06
